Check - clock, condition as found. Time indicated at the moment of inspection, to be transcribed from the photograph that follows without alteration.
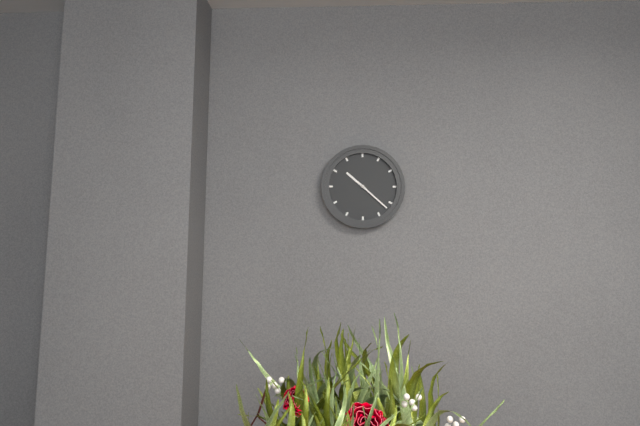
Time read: 10:22
